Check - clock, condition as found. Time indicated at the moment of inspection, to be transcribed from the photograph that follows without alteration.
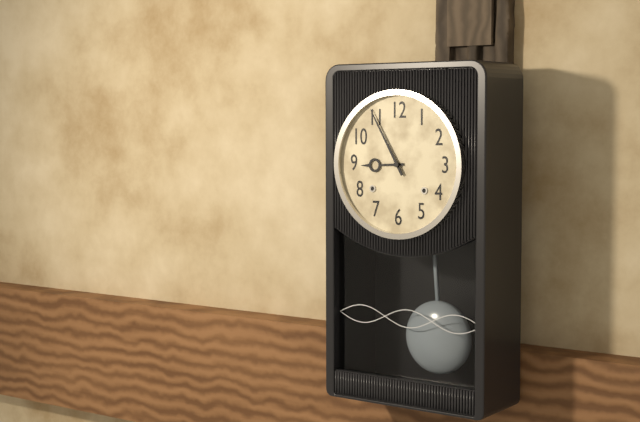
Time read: 8:55
